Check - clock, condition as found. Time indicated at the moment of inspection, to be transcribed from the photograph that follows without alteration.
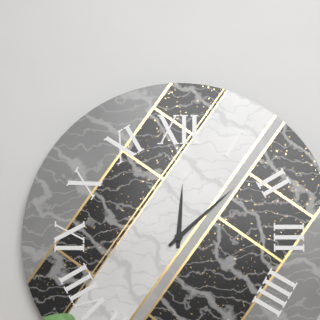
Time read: 12:08
